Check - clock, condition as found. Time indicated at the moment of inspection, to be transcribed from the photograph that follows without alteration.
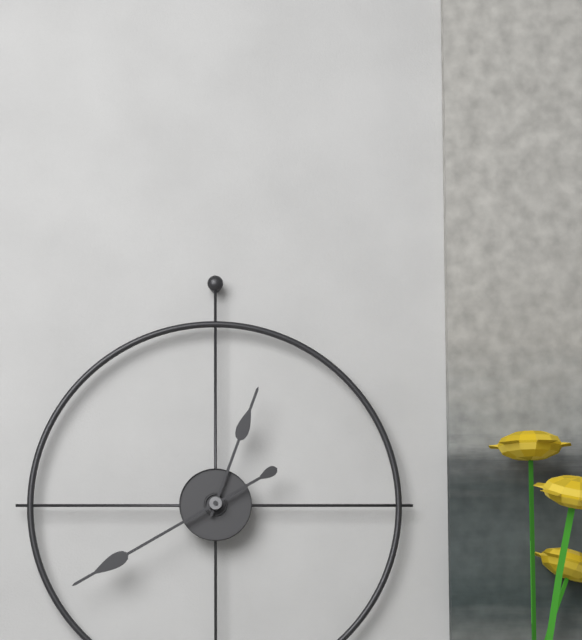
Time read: 12:40
